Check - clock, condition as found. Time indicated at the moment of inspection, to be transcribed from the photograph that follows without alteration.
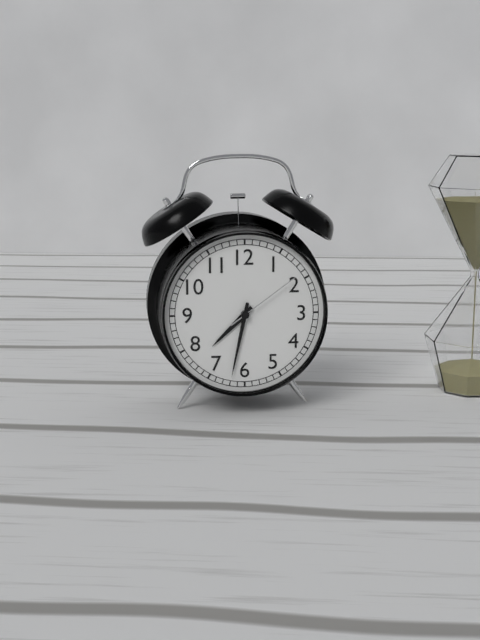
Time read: 7:32:09
